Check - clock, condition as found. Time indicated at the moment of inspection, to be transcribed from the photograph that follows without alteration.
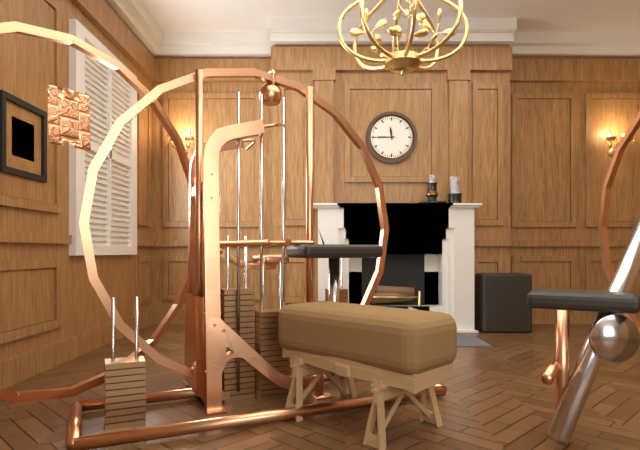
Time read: 11:45
